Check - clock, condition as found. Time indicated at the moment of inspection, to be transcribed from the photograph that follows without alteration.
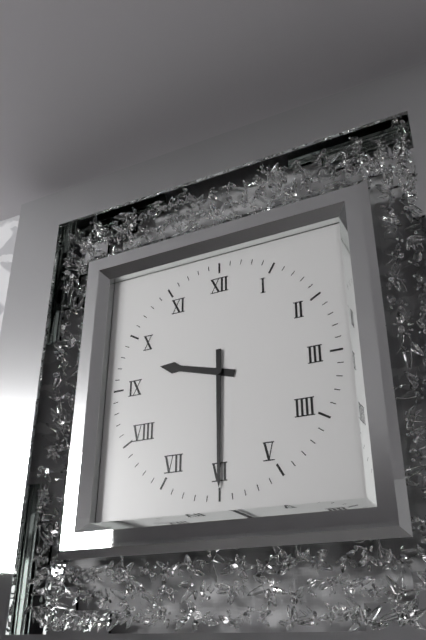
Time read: 9:30
